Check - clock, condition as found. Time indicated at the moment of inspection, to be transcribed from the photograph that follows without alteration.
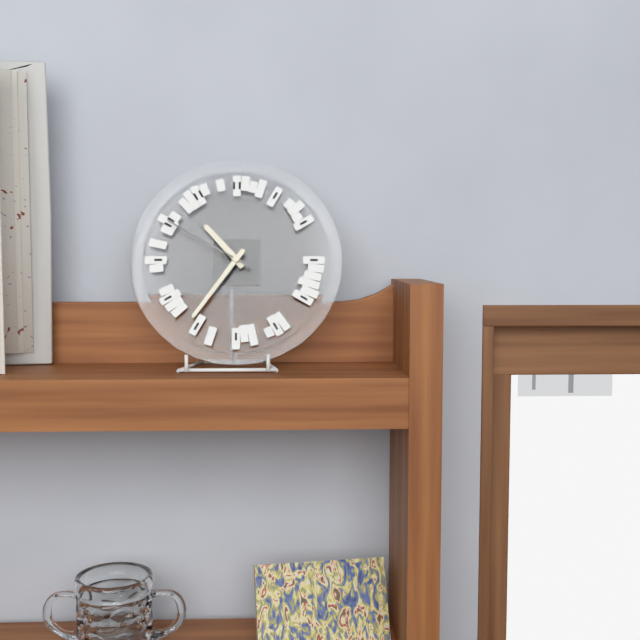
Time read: 10:36:50
